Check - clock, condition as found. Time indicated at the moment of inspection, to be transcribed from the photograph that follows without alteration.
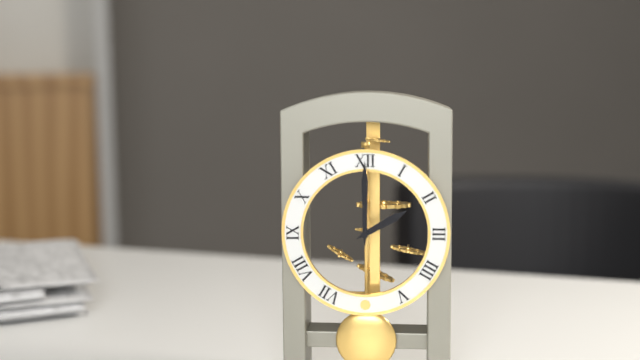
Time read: 2:00
